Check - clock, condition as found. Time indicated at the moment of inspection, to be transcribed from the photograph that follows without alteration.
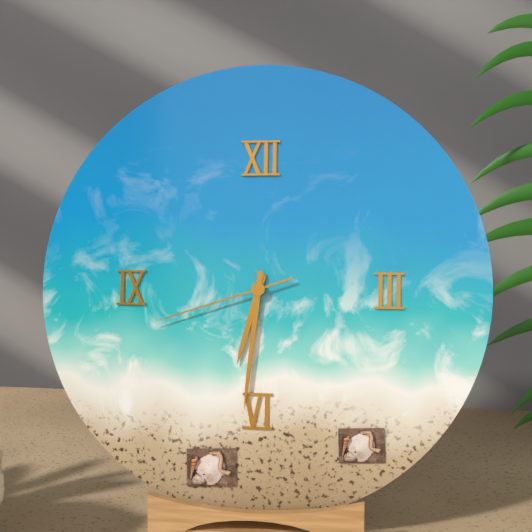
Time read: 6:31:42
